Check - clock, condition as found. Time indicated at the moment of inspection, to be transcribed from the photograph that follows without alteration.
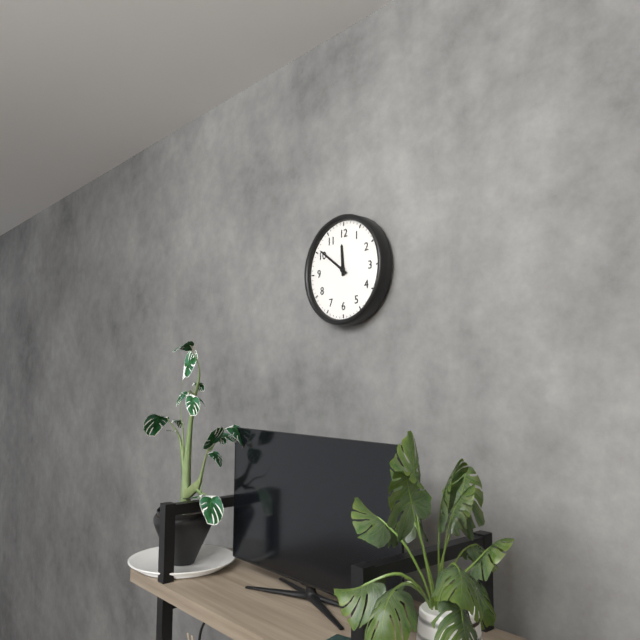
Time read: 11:51
